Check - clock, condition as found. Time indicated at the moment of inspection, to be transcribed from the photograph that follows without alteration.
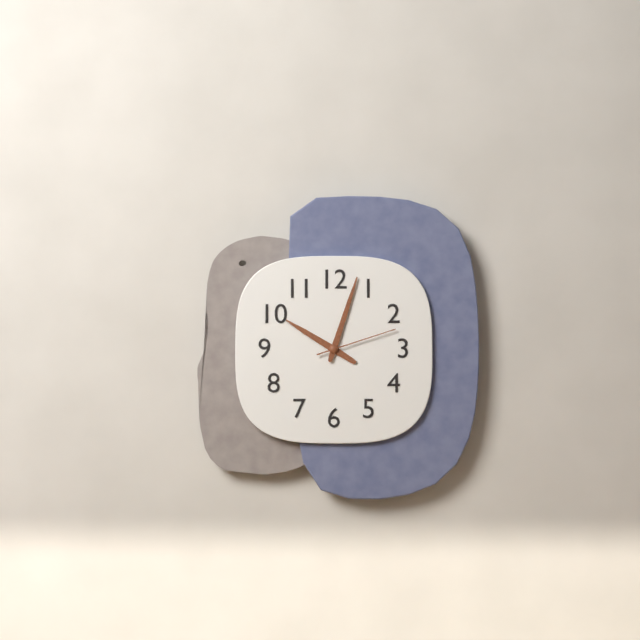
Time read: 10:03:12
